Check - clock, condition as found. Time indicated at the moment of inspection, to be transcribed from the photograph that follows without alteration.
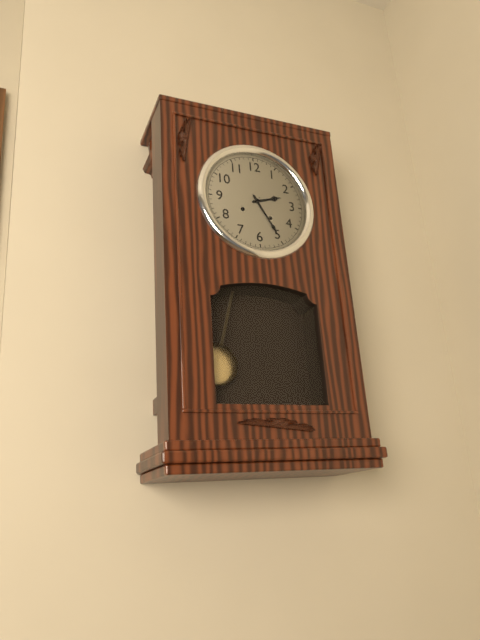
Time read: 2:25
